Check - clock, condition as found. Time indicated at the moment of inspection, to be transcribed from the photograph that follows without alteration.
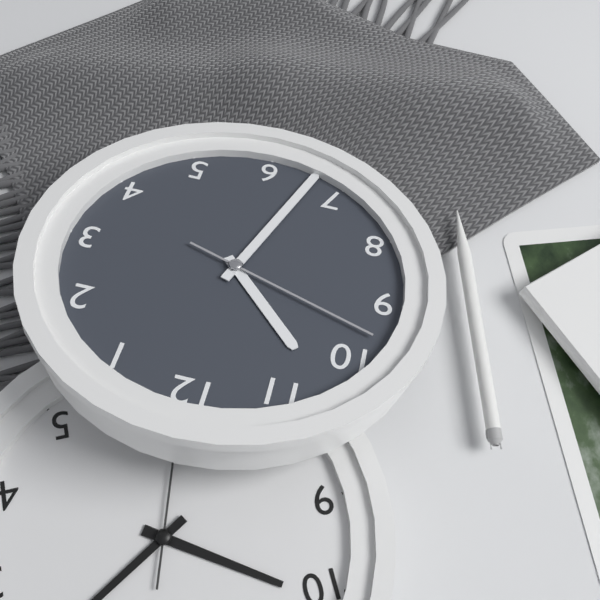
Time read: 10:33:48
